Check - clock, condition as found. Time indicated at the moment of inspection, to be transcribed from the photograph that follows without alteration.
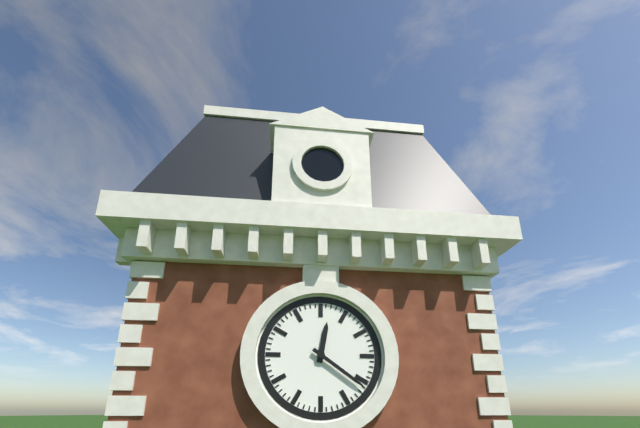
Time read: 12:21
